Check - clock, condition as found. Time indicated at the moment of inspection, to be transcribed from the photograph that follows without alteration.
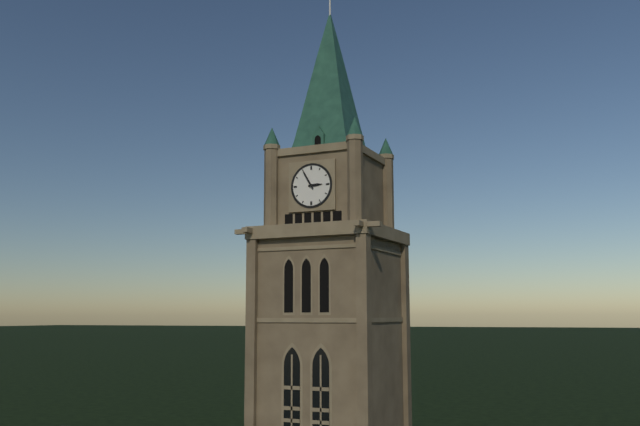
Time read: 2:55
